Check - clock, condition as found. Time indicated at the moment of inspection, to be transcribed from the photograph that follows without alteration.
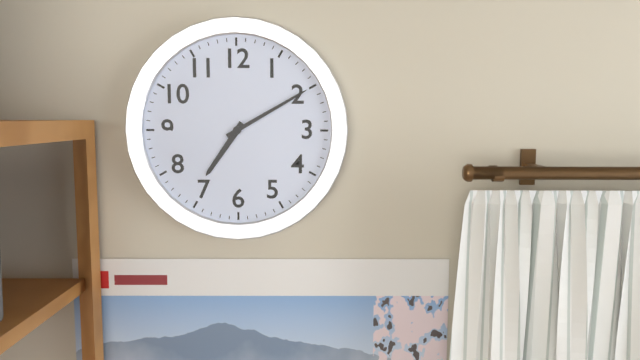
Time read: 7:10
